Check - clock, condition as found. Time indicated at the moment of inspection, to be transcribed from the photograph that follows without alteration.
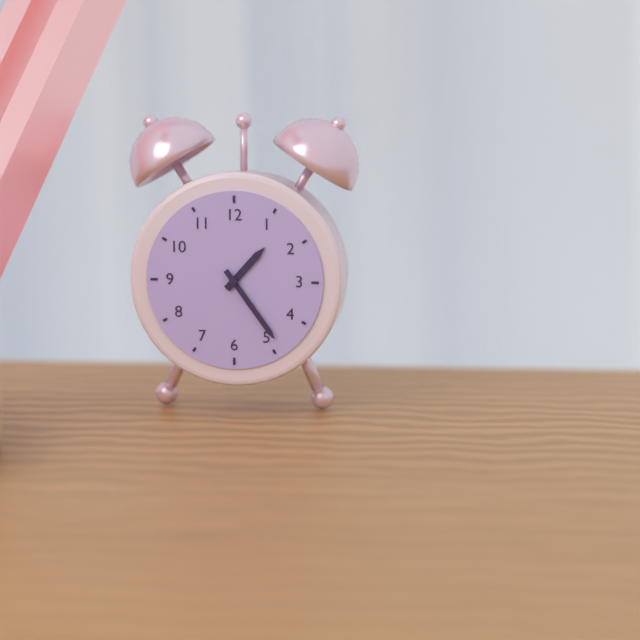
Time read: 1:24
